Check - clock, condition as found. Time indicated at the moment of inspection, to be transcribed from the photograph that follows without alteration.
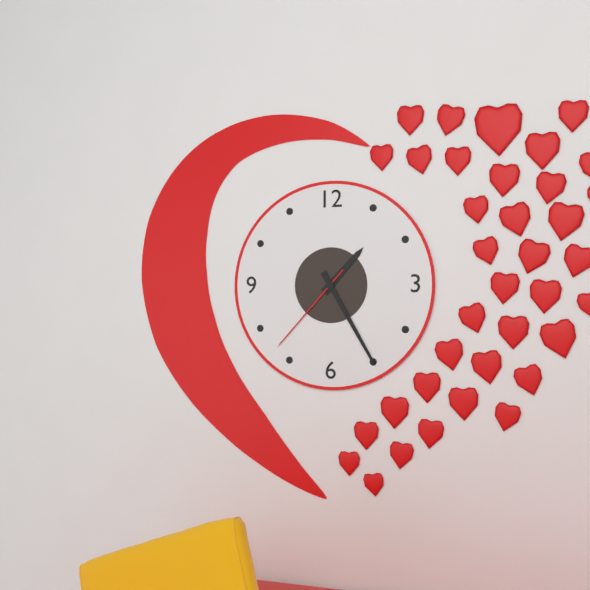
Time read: 1:25:37
